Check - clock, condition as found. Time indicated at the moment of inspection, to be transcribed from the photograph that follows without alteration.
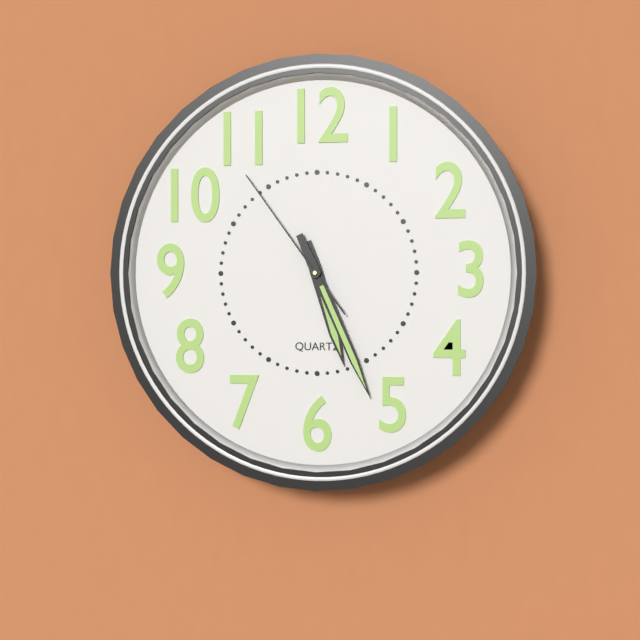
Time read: 5:26:54
